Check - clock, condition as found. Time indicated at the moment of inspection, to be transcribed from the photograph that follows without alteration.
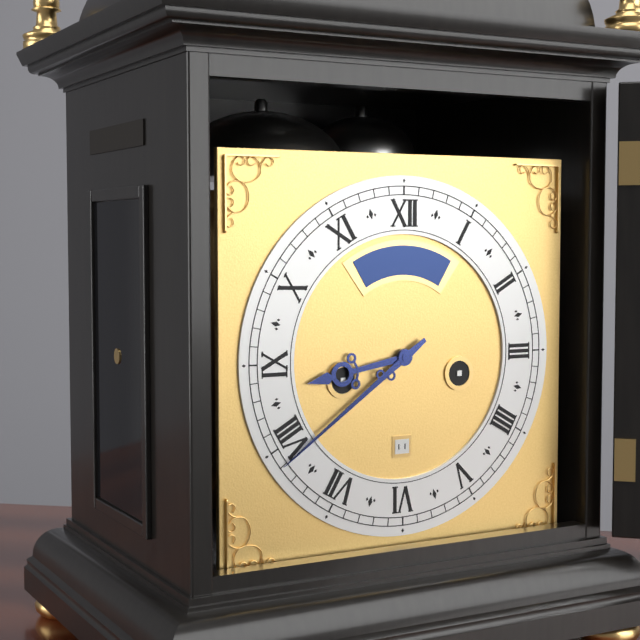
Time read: 8:39
